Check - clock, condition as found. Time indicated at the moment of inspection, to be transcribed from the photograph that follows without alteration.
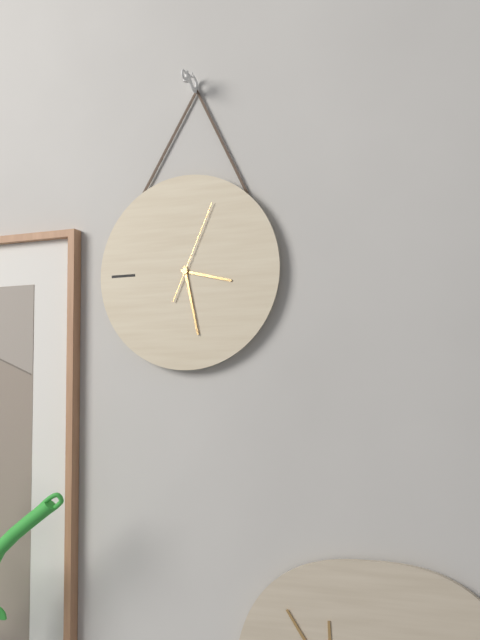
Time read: 3:28:04
